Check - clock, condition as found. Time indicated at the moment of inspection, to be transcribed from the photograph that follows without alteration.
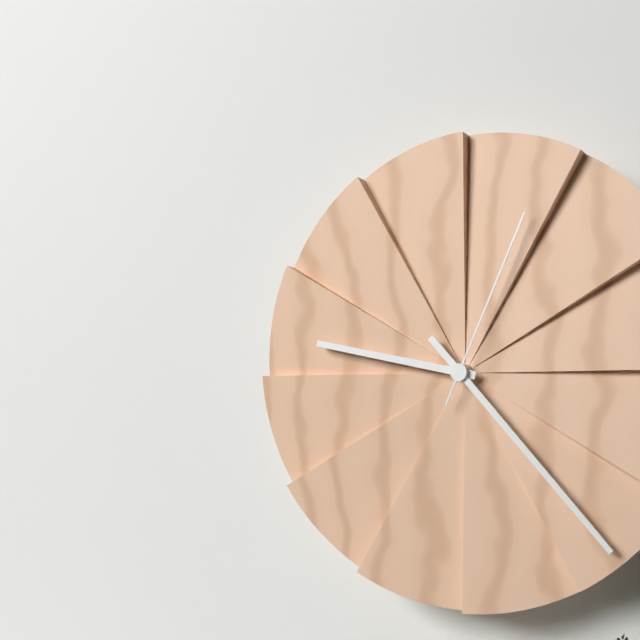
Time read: 9:23:04
